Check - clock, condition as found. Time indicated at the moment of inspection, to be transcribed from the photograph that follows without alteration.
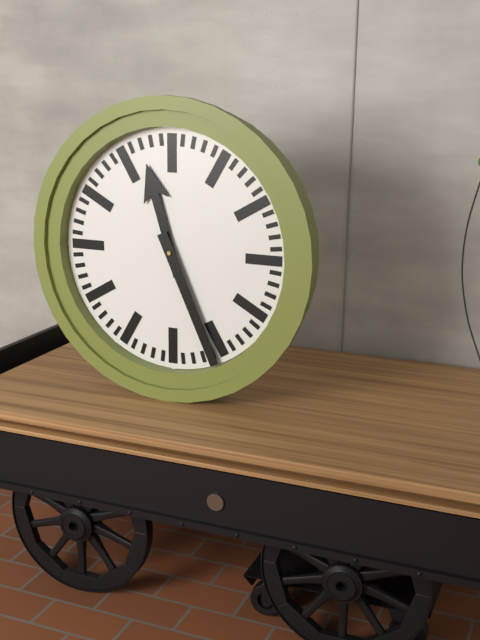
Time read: 11:26
